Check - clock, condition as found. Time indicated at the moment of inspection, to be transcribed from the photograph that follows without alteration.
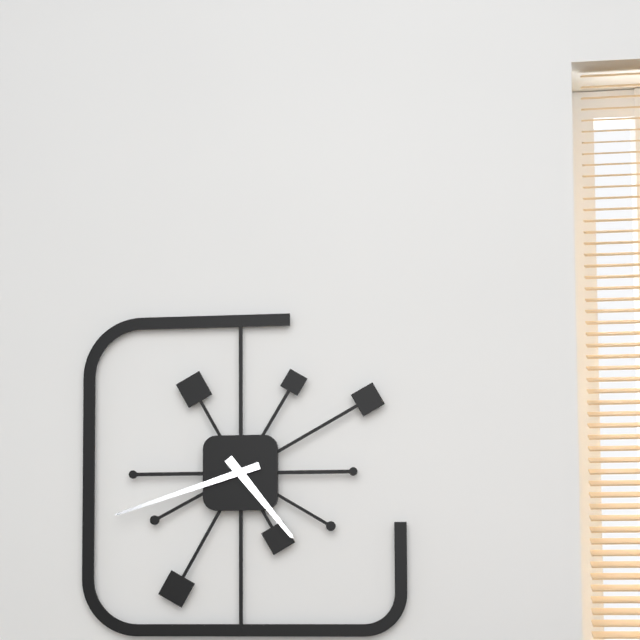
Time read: 4:42
